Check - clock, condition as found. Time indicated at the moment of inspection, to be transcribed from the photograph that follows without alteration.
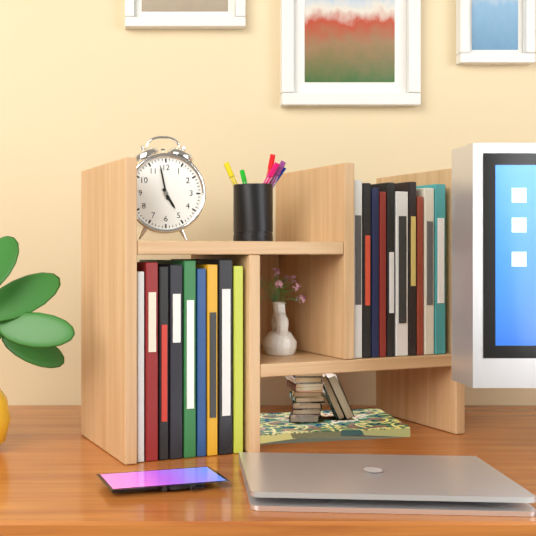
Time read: 4:58
